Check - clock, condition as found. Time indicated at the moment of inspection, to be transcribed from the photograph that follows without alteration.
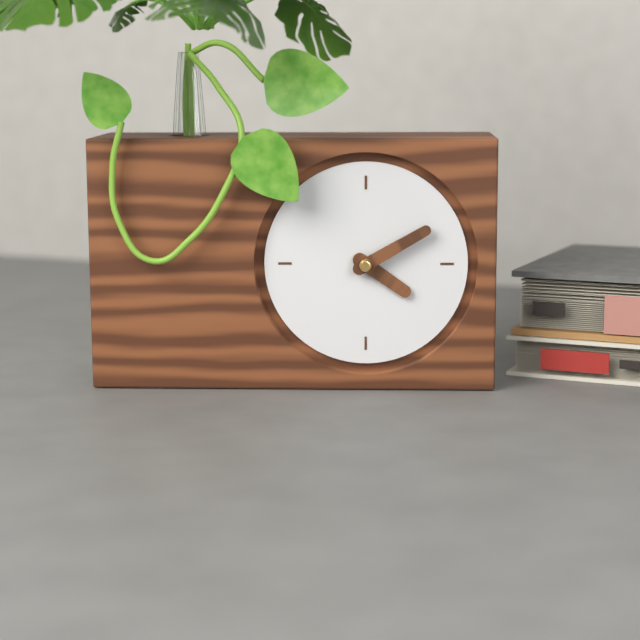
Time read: 4:10
